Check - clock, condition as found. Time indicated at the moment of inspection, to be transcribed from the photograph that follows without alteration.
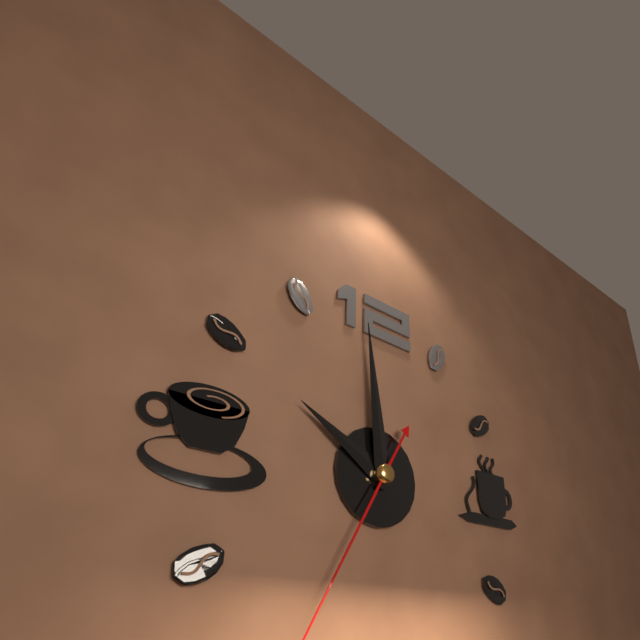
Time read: 9:59
